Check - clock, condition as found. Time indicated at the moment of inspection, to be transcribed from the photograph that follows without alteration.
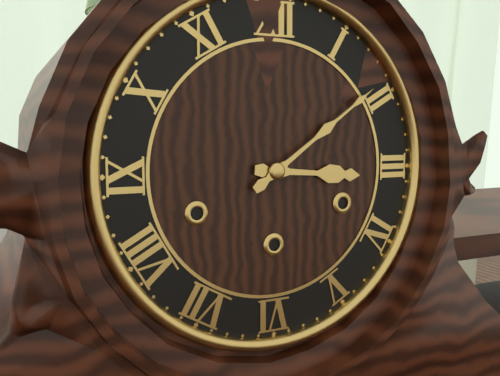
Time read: 3:09
